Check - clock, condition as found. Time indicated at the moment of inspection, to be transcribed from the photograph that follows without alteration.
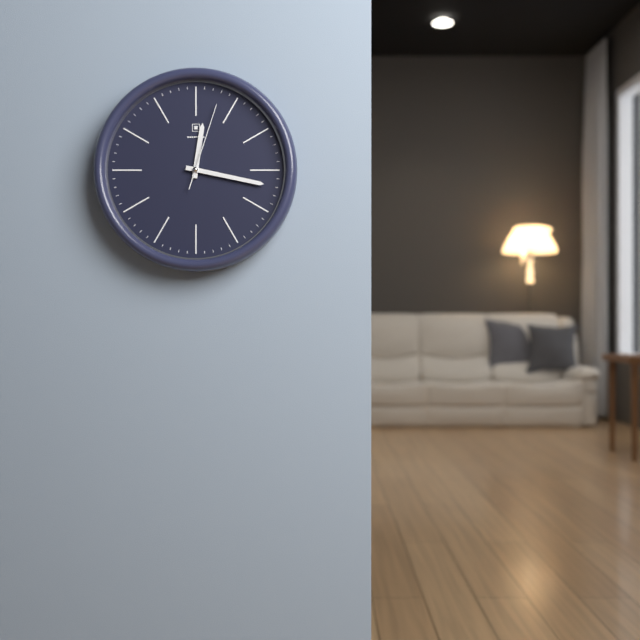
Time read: 12:17:03
